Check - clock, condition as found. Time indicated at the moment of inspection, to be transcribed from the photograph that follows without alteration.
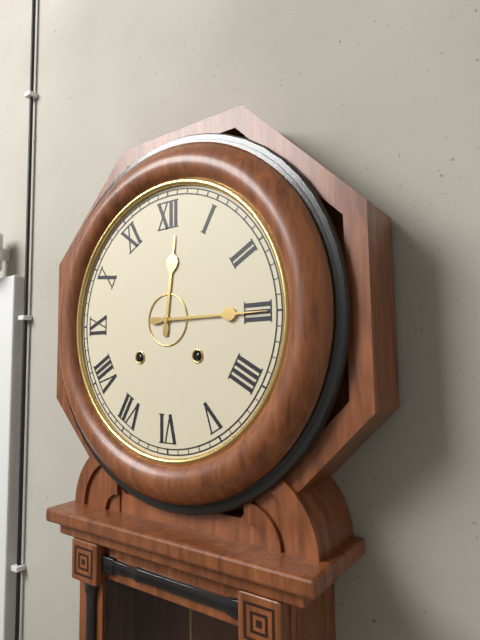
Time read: 12:15
